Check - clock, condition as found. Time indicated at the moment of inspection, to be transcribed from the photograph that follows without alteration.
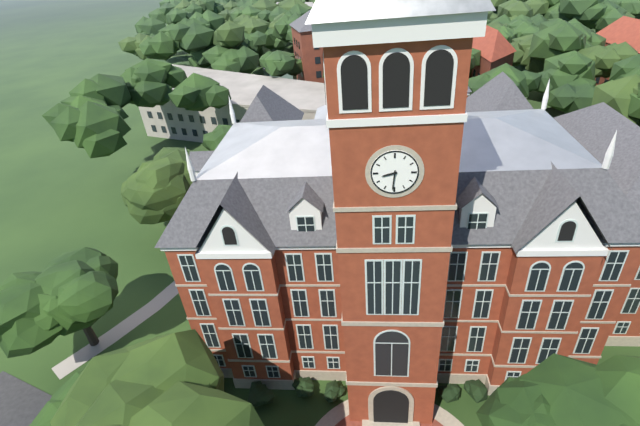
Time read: 8:31
